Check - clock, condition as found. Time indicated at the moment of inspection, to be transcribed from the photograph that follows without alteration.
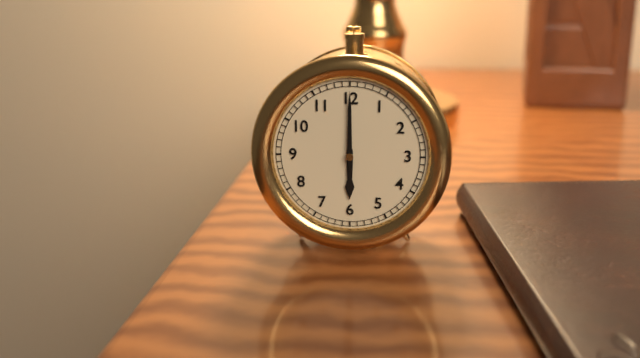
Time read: 6:00
